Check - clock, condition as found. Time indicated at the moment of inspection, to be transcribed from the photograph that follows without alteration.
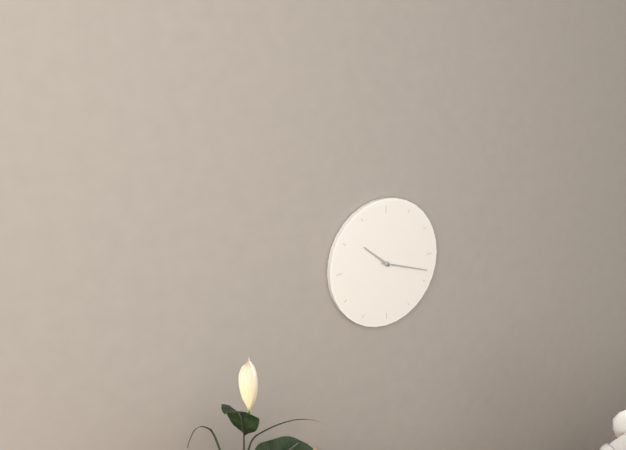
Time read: 10:18
